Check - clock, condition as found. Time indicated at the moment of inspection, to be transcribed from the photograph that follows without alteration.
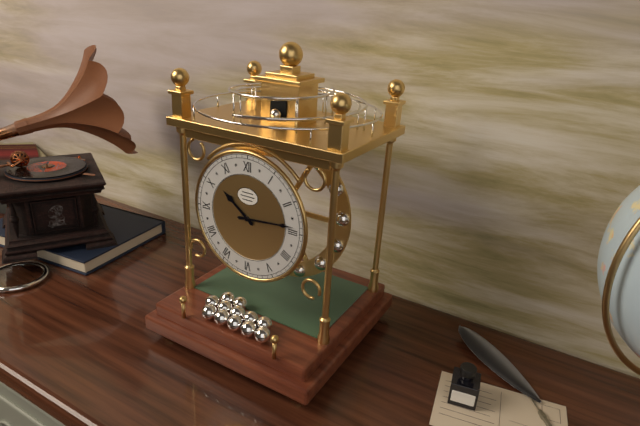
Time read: 10:14
